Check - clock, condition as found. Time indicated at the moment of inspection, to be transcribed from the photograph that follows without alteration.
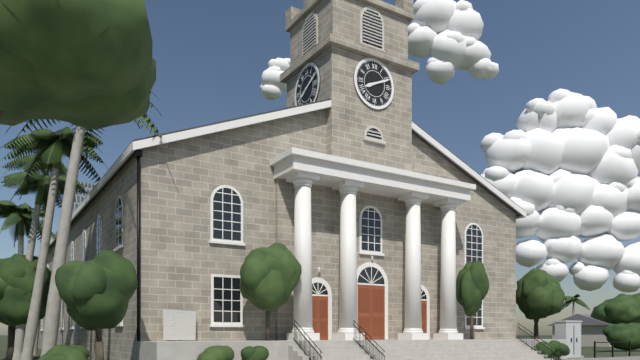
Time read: 8:11
